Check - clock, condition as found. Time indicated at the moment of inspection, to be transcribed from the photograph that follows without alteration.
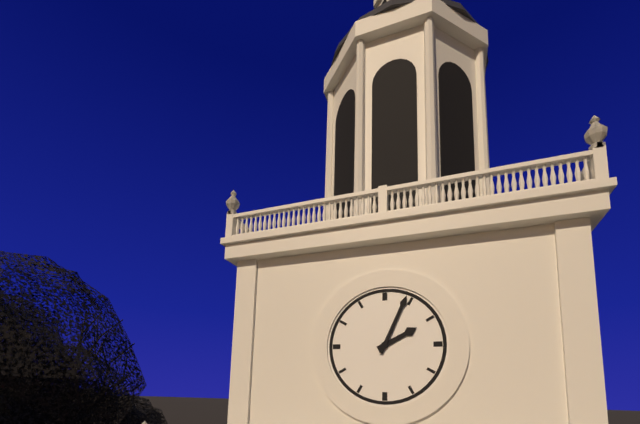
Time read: 2:04
